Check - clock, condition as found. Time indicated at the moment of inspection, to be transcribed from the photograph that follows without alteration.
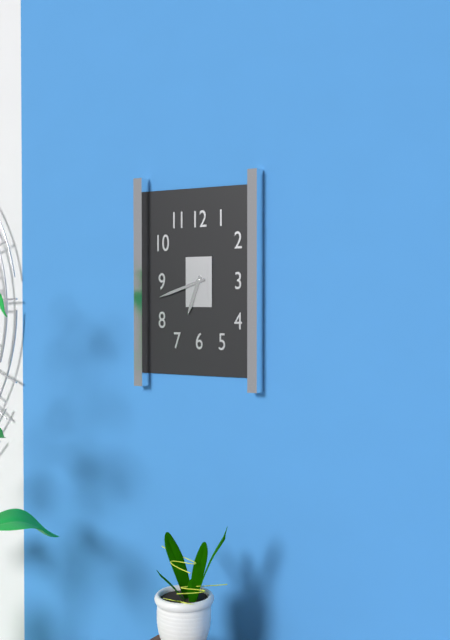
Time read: 6:42
